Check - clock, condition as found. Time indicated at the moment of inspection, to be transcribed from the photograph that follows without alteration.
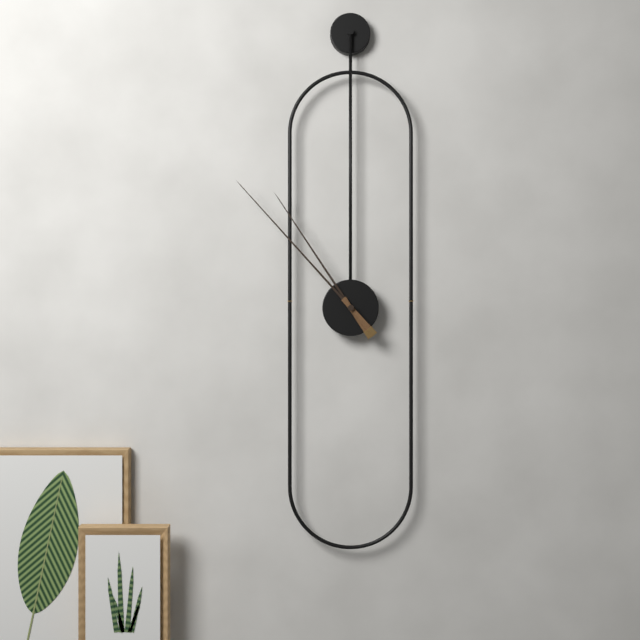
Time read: 10:53
